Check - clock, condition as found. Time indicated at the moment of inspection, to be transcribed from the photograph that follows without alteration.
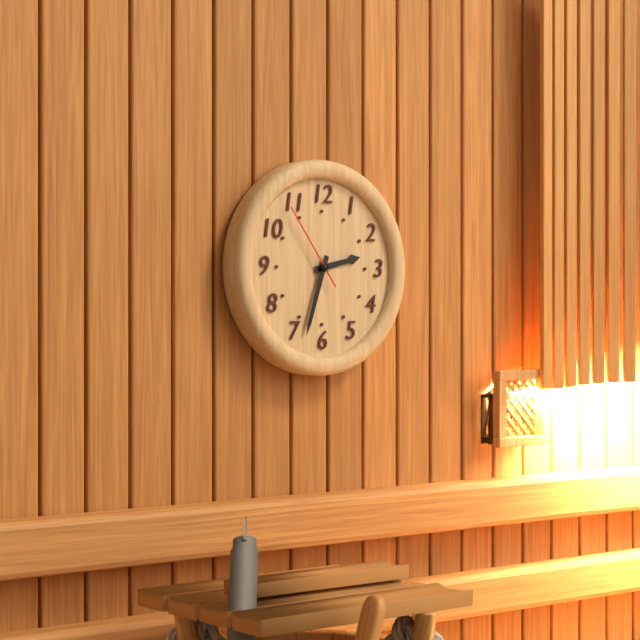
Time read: 2:33:54
